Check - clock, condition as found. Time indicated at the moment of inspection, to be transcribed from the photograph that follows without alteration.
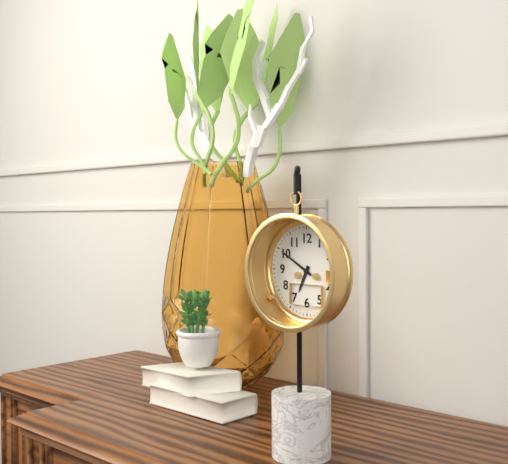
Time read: 6:50
